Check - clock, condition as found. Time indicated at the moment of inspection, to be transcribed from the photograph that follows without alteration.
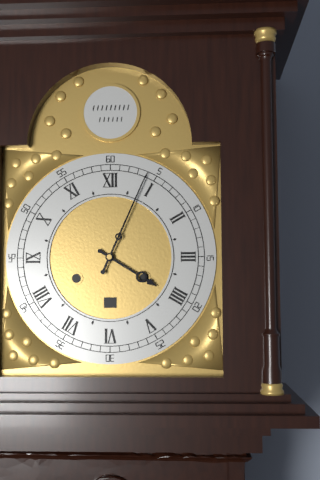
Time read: 4:04
